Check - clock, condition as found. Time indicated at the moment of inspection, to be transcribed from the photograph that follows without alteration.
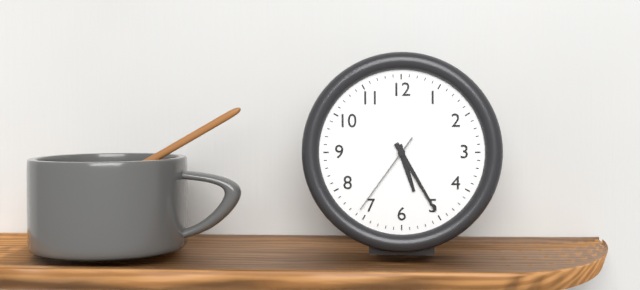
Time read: 5:25:36
